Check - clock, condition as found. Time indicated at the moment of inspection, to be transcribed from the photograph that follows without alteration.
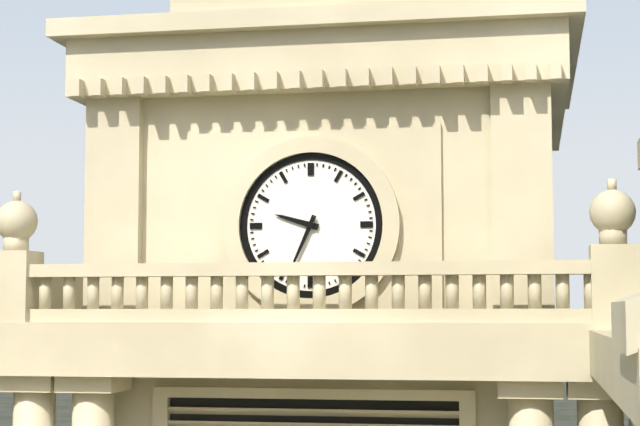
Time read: 9:34
